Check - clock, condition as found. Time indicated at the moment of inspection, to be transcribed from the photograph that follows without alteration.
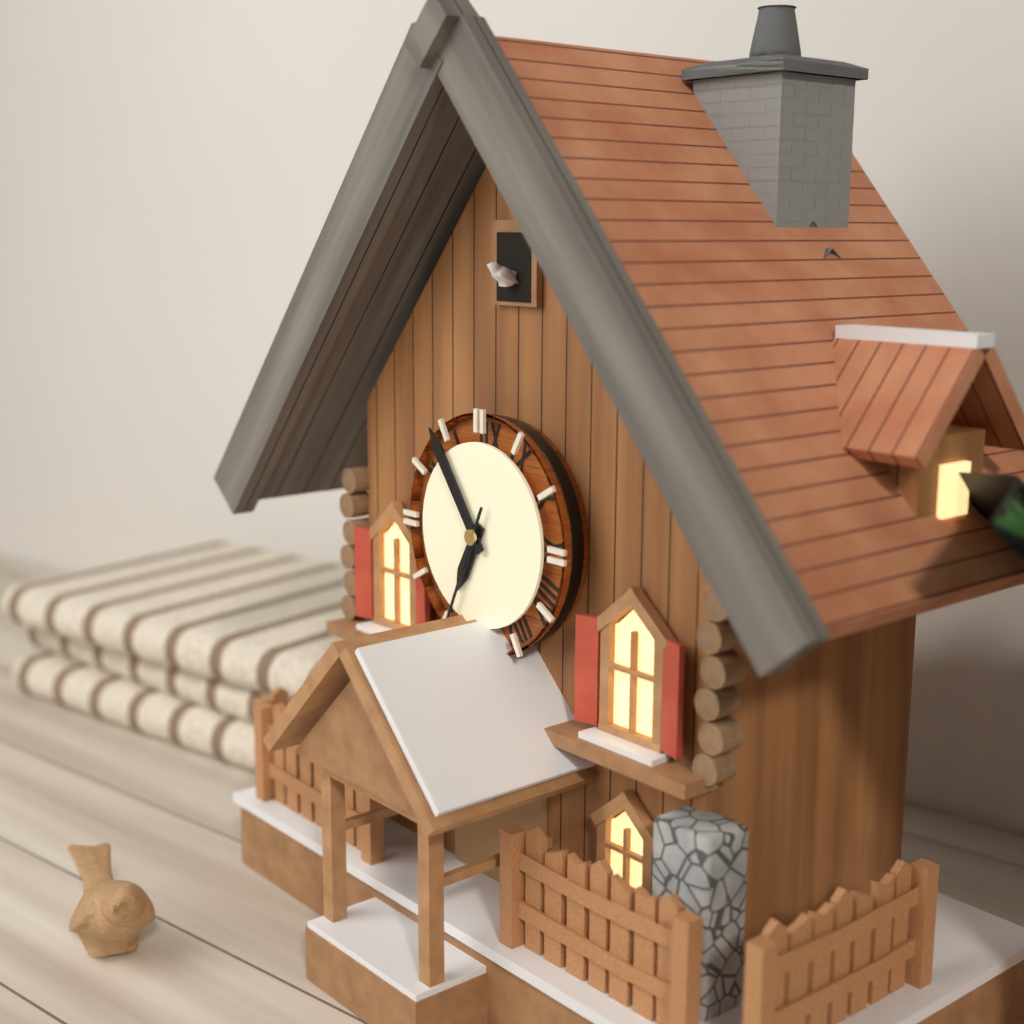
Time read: 6:54:34
